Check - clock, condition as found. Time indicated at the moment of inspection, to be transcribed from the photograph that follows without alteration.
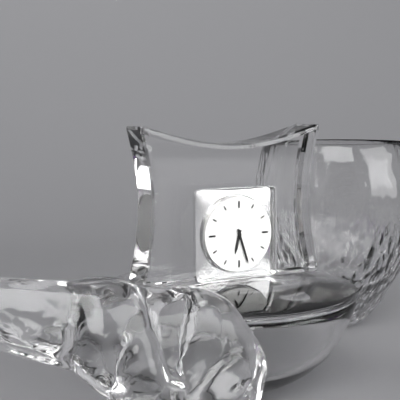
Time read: 6:27
